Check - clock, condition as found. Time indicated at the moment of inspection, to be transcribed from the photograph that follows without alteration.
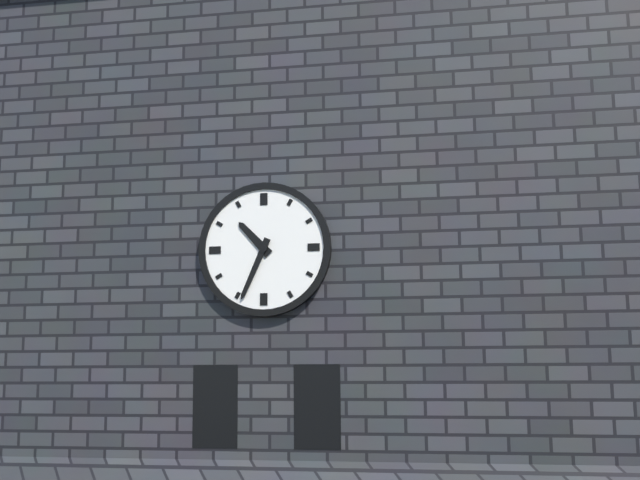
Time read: 10:34
